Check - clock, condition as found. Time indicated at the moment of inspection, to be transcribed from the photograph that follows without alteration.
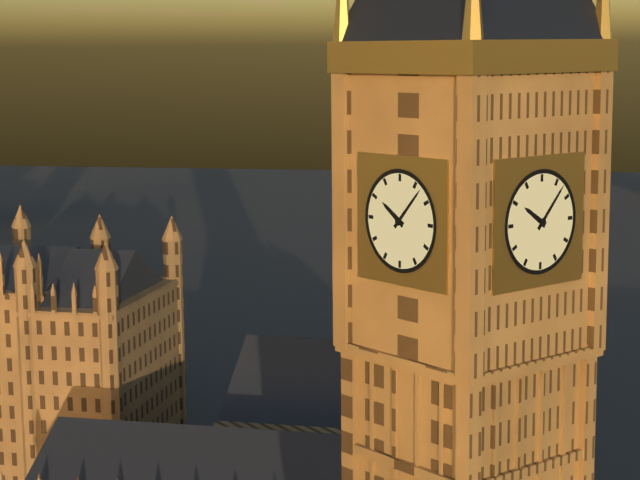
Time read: 10:07
